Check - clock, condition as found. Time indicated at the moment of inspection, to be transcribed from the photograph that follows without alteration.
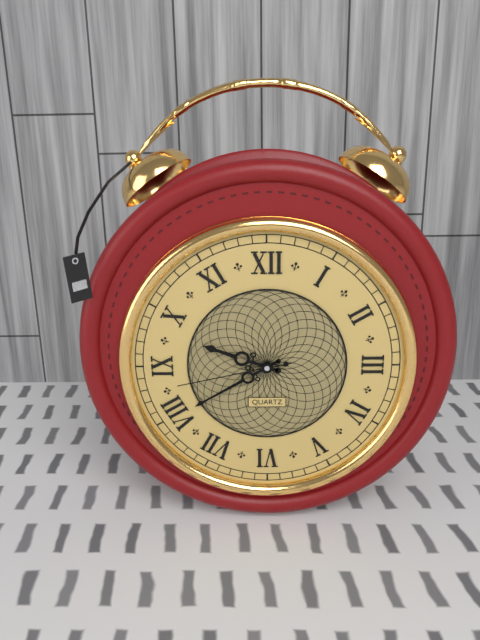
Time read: 9:40:43
